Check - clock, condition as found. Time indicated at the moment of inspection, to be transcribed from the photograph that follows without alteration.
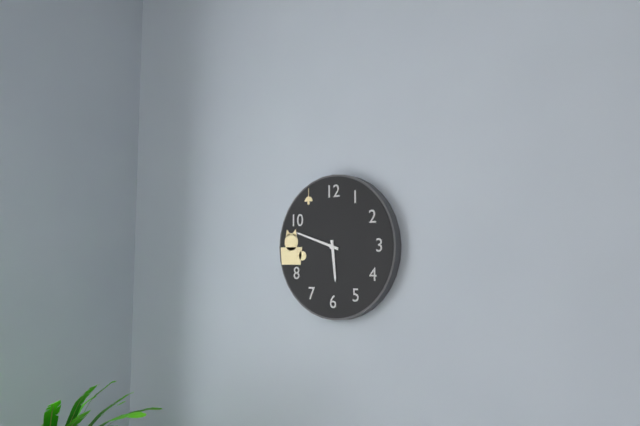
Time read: 5:48
